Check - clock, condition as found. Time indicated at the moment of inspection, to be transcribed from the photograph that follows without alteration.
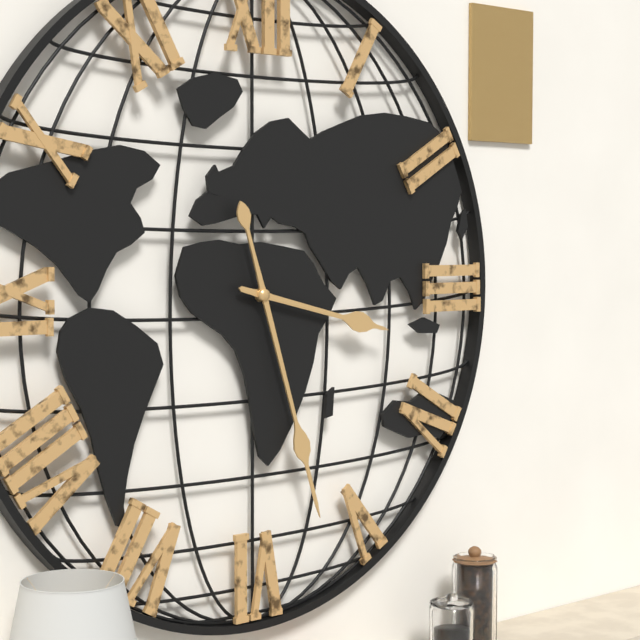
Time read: 3:27
